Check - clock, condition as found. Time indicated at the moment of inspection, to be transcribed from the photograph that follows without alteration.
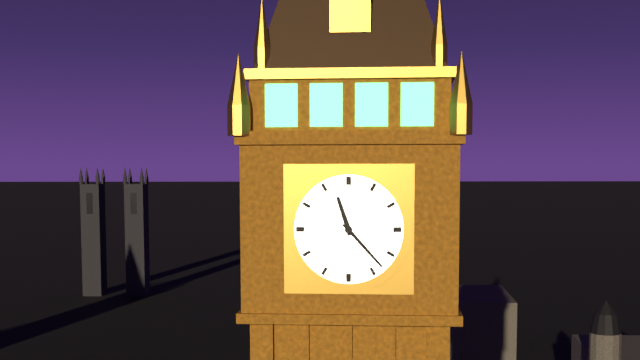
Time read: 11:23
